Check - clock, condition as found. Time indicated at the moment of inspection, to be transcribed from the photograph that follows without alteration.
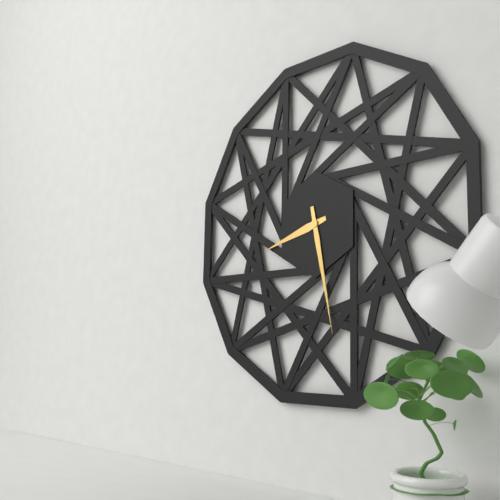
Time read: 8:28
